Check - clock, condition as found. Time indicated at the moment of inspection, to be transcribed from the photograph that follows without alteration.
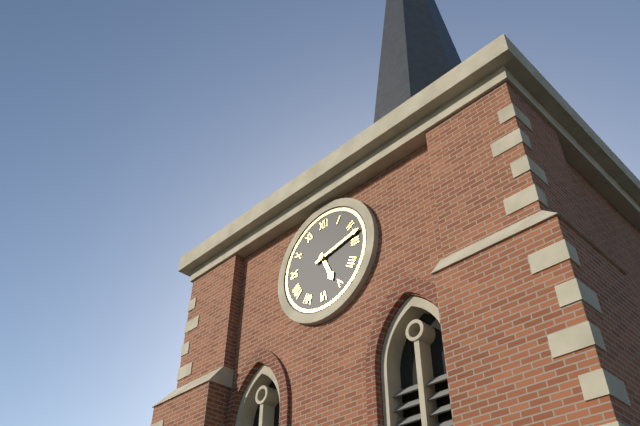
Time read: 5:13
